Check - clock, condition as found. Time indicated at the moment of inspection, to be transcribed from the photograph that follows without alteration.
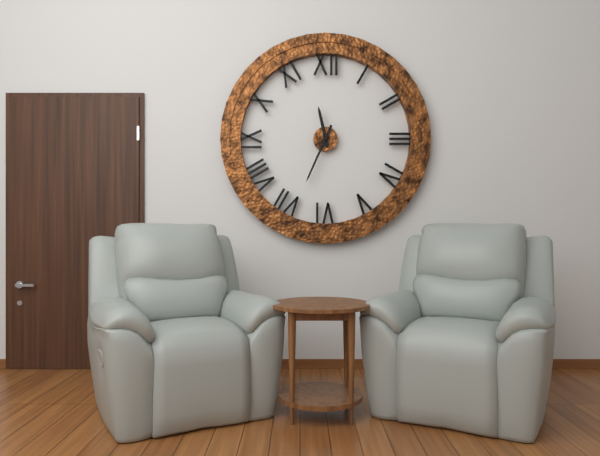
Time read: 11:34
